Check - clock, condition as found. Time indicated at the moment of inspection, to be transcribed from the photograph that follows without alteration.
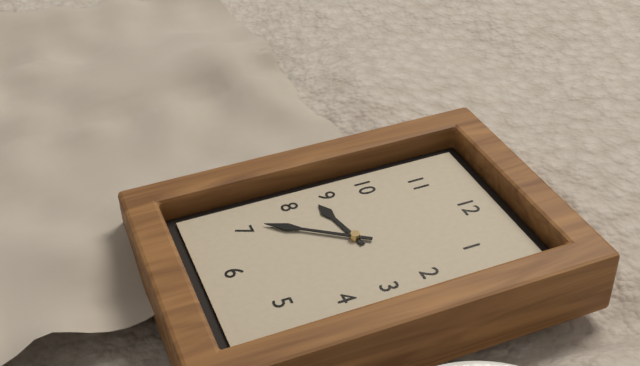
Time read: 8:36
